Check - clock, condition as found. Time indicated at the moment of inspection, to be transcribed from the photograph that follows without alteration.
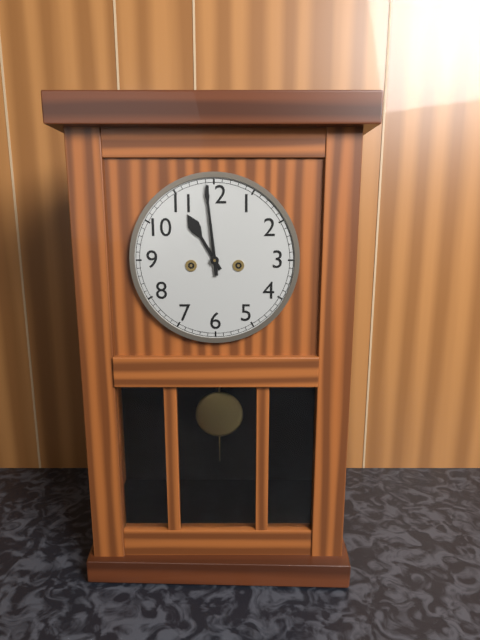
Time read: 10:59
